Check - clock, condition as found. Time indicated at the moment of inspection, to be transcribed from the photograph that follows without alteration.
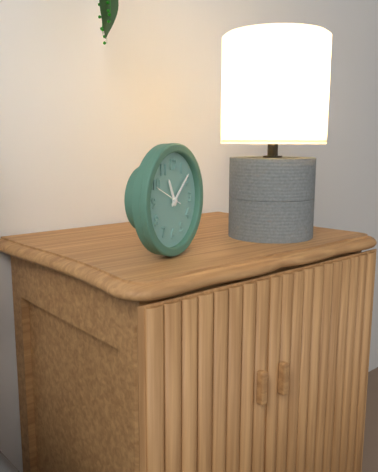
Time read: 11:08
